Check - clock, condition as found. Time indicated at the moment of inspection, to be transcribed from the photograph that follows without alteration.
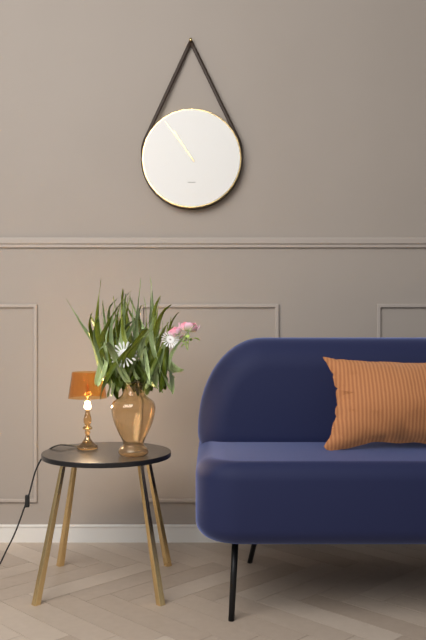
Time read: 10:54
